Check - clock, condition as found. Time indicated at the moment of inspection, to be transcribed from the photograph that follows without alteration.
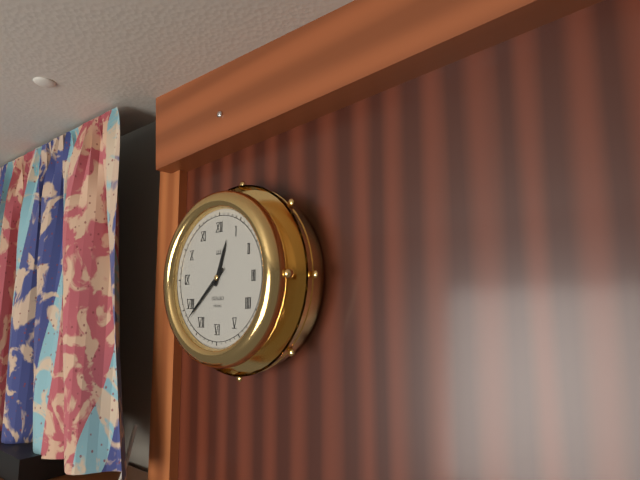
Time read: 12:38
